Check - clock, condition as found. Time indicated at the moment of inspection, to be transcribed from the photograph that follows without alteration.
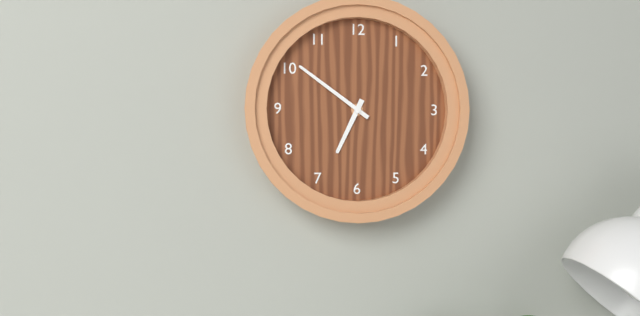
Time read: 6:51
